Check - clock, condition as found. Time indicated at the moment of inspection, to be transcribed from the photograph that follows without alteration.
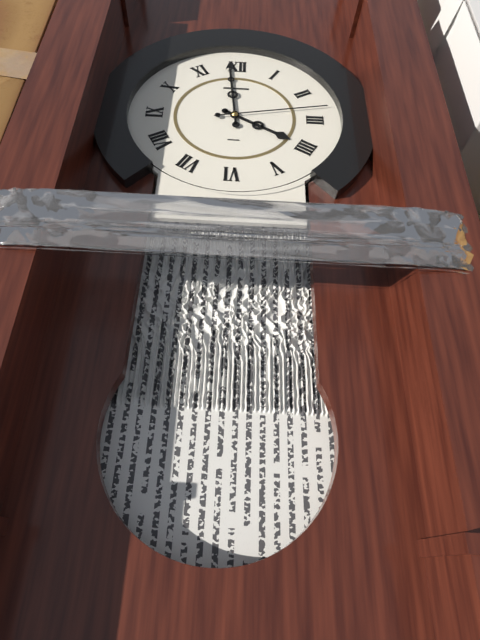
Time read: 3:59:13
